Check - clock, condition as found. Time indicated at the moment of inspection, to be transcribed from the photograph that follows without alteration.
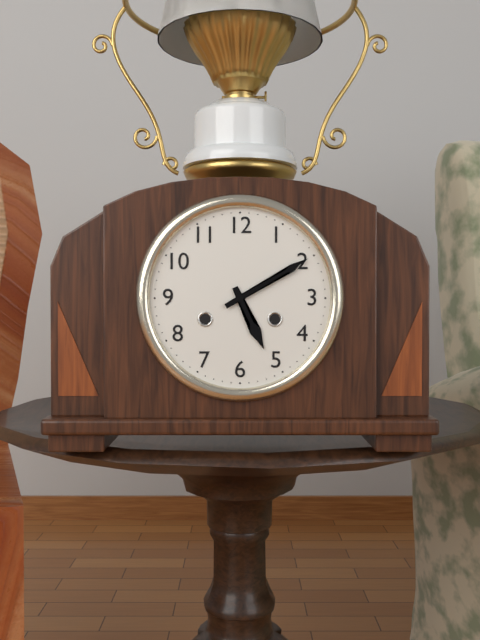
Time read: 5:10
